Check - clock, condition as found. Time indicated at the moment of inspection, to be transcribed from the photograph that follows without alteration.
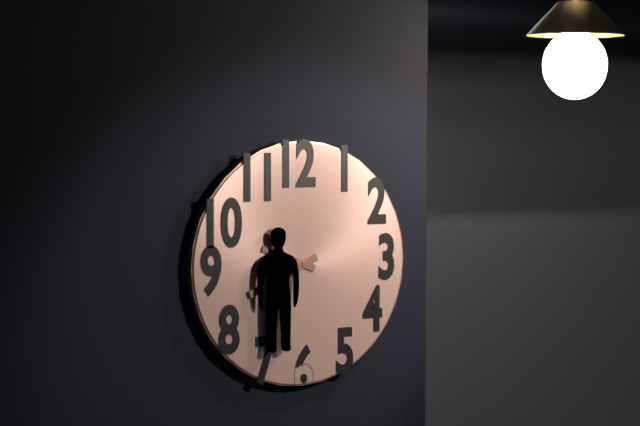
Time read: 9:41
